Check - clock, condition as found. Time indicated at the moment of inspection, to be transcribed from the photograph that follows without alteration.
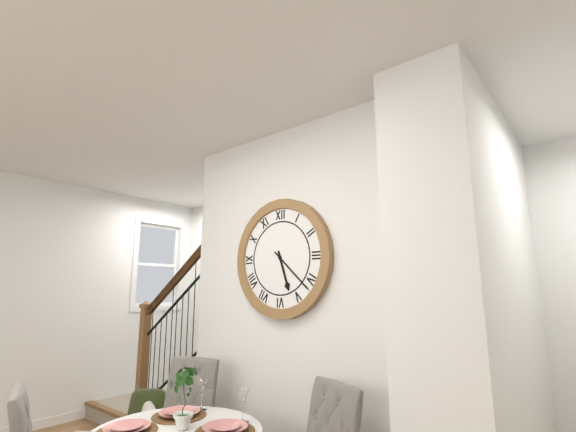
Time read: 5:22
